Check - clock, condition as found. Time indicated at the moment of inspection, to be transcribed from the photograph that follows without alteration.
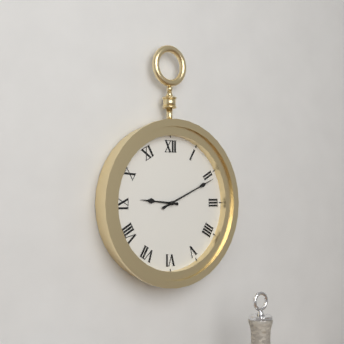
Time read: 9:11
